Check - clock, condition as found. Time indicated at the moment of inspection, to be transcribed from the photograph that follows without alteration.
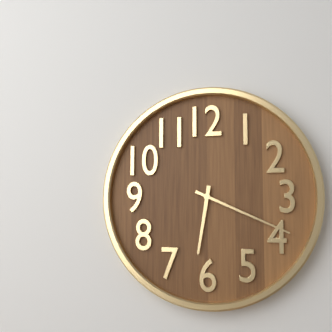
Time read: 6:19
